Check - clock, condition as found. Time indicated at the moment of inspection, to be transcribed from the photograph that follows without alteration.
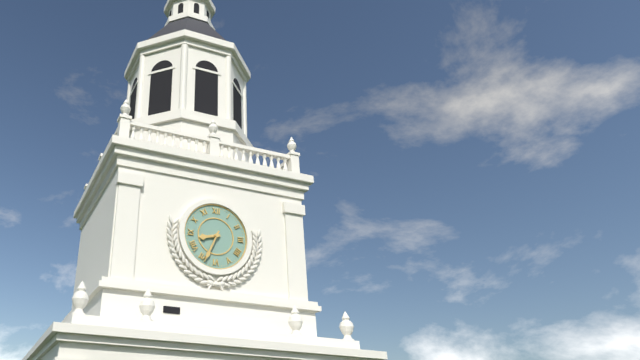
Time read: 8:34
